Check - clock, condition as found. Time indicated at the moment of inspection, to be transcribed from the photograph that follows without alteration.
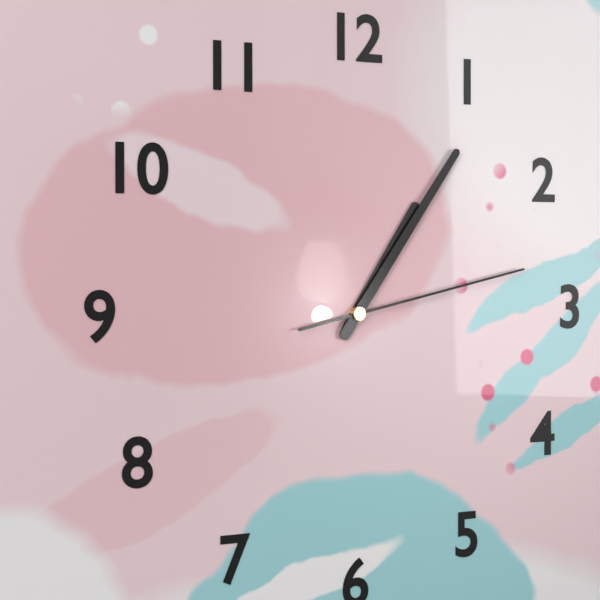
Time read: 1:06:13
